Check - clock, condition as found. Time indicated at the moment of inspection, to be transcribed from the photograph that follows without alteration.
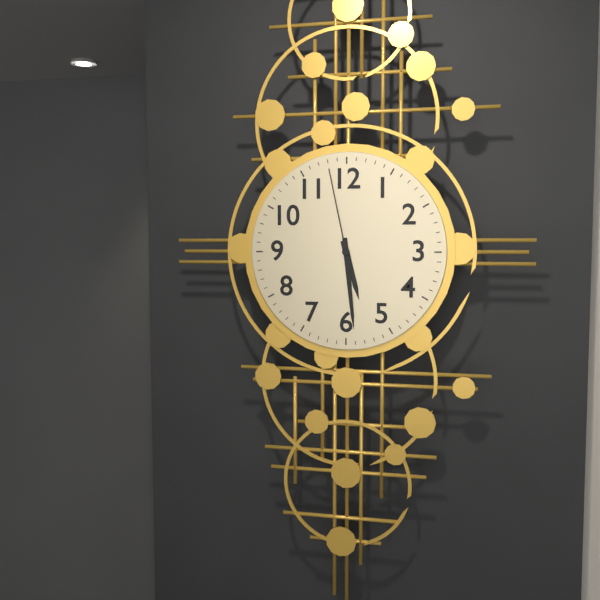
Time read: 5:29:58
